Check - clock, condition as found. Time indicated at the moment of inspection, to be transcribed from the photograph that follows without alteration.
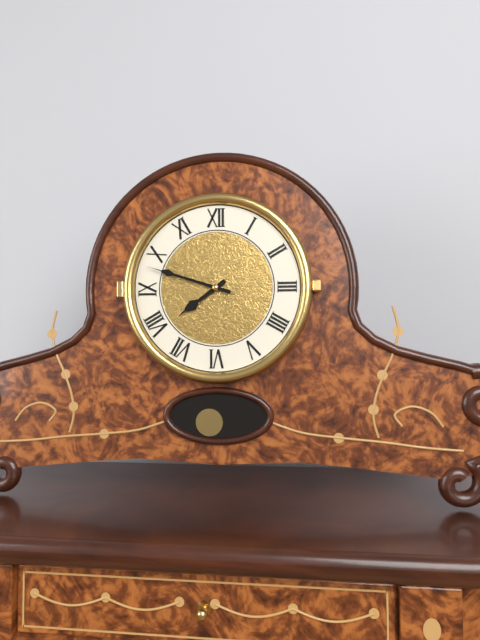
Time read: 7:48
